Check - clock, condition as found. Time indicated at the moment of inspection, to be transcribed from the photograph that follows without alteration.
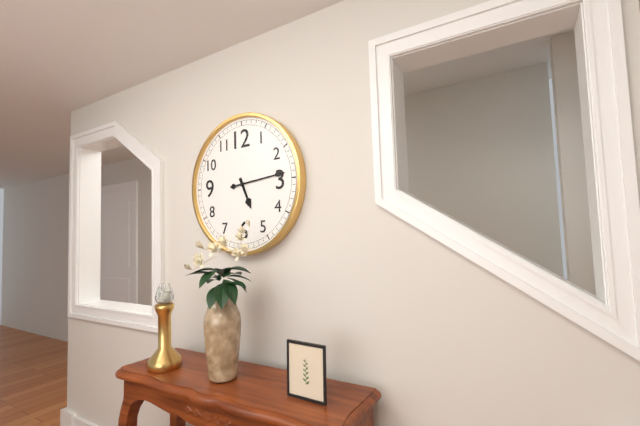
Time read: 5:14
